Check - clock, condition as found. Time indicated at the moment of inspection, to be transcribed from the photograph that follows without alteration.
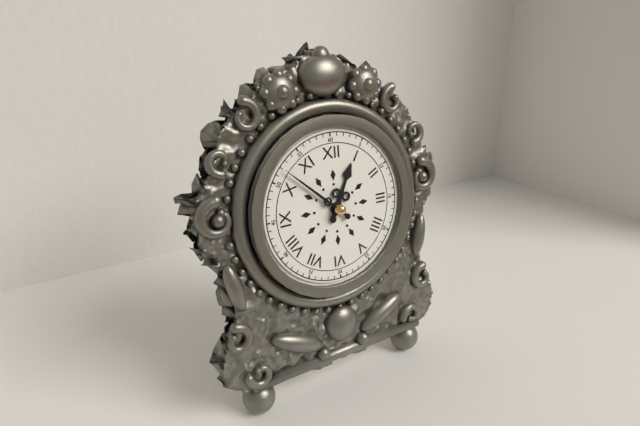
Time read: 12:52
